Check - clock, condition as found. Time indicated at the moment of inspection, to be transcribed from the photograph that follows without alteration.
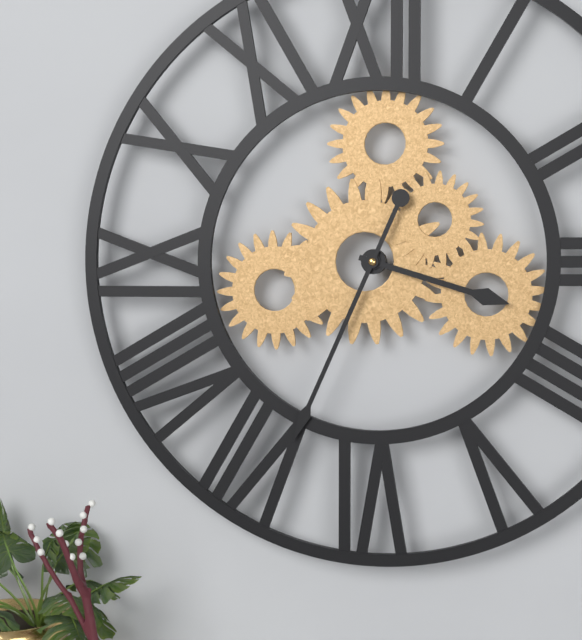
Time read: 3:34
